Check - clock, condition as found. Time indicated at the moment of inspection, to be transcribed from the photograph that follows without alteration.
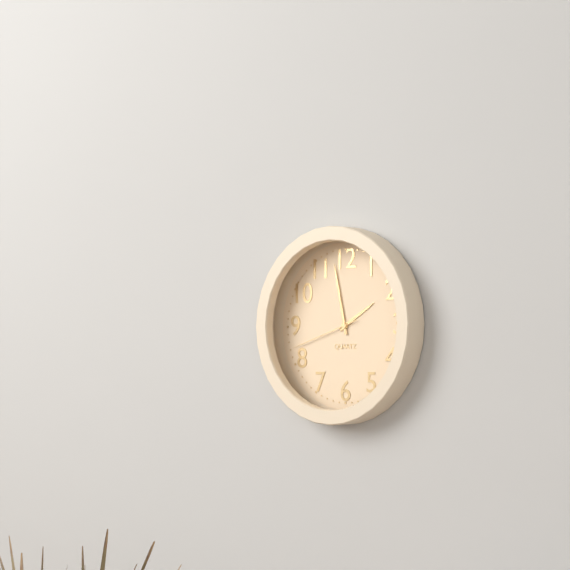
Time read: 1:58:42
